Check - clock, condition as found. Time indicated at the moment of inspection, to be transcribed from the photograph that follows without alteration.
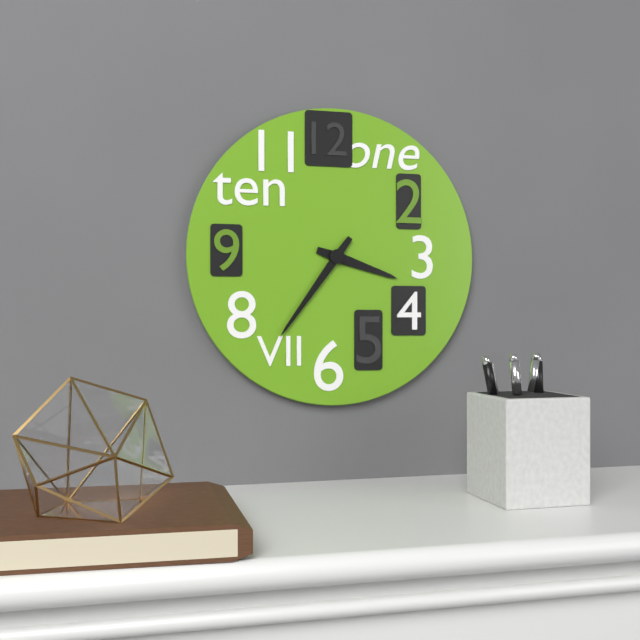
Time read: 3:36
